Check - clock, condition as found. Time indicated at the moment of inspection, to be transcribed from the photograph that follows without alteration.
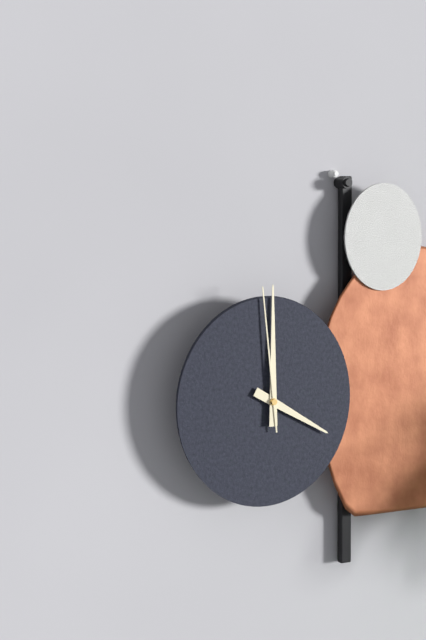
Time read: 4:00:59
